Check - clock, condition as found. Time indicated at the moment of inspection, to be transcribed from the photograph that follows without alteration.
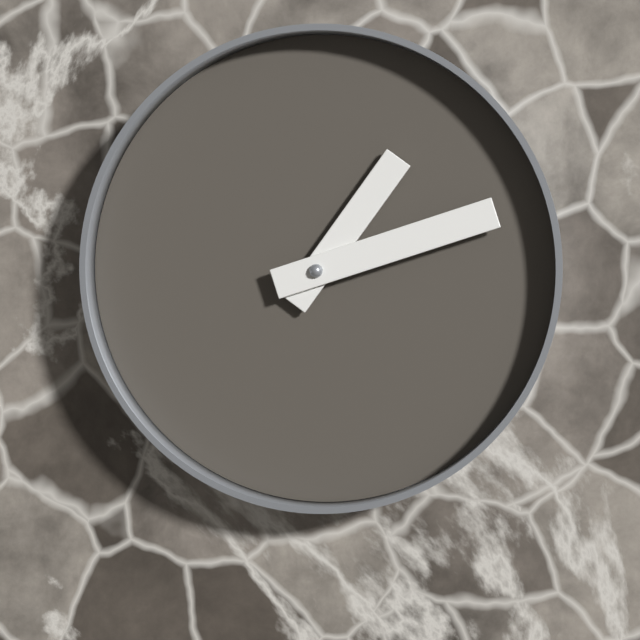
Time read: 1:12
